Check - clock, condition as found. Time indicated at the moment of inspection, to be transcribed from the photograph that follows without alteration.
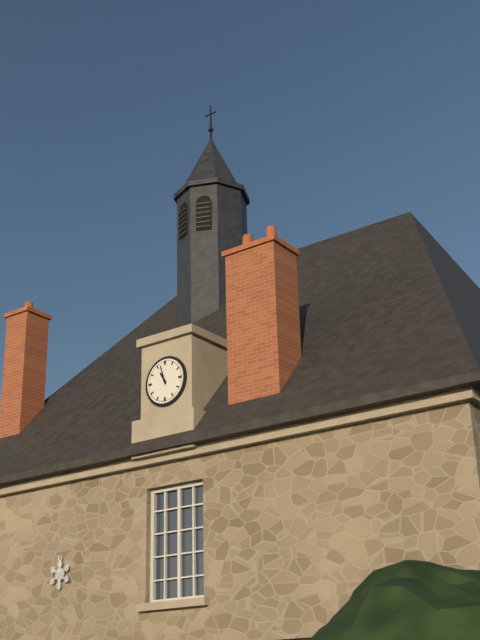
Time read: 10:57
